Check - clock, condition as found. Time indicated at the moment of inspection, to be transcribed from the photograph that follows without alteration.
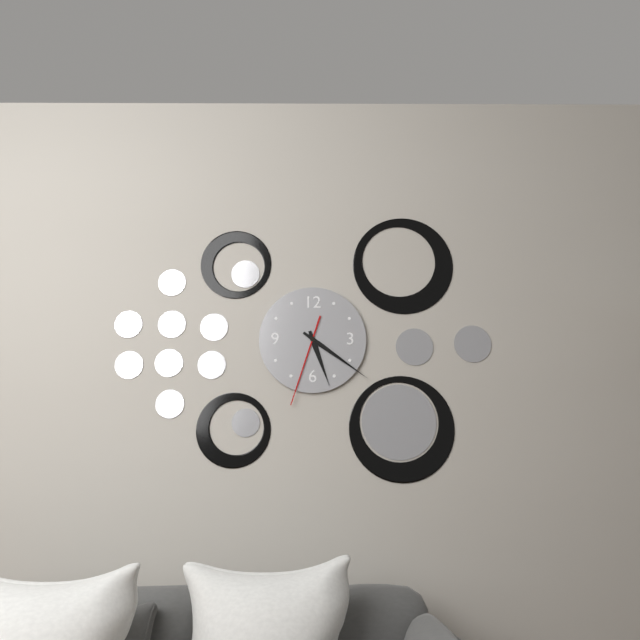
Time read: 5:21:33
